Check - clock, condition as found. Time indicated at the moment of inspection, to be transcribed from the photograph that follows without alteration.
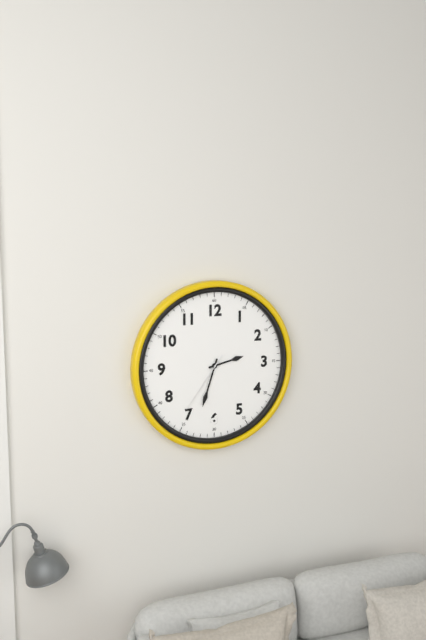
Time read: 2:33:36
